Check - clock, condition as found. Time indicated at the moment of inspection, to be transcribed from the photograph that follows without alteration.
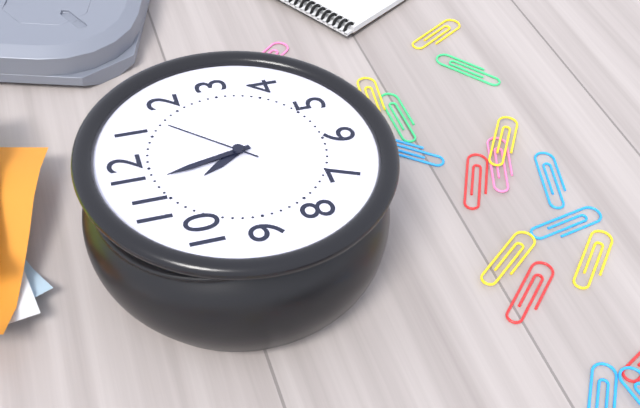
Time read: 10:58:07
